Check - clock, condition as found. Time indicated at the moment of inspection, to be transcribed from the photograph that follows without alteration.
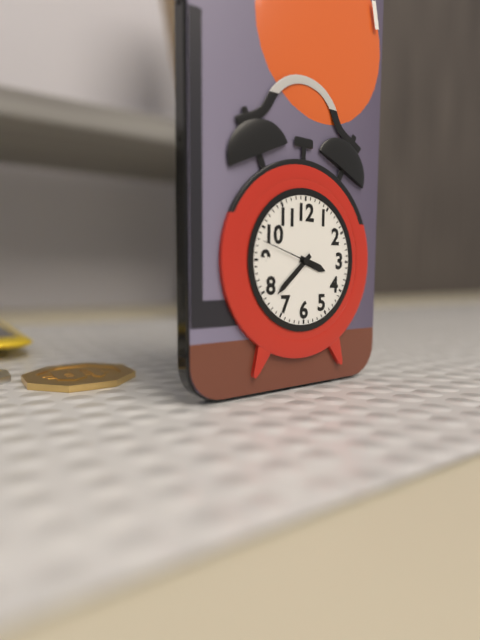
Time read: 3:38:48
